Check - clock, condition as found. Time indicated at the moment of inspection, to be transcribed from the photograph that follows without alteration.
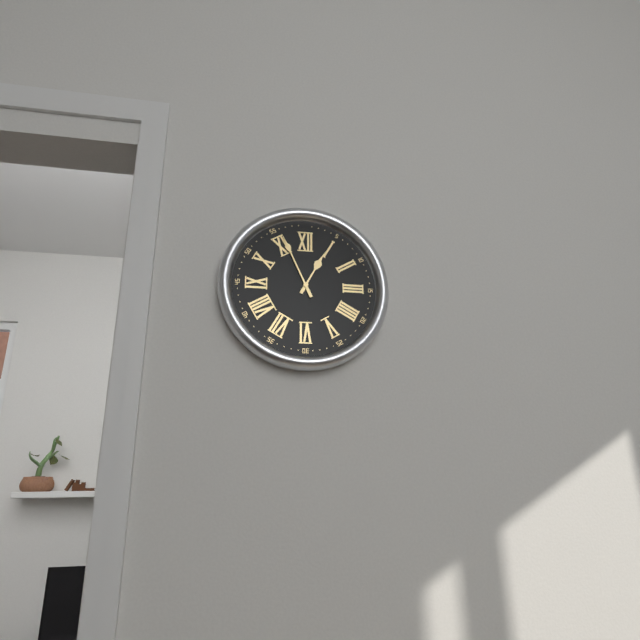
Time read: 12:56
